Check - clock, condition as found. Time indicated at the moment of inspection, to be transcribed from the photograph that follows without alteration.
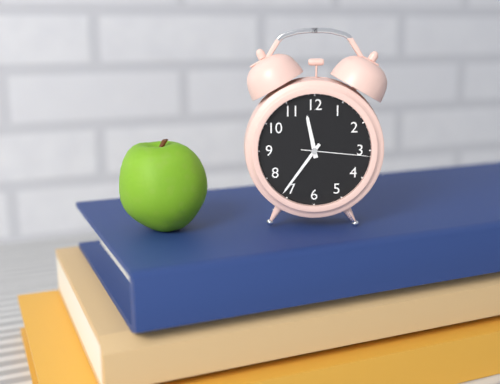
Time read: 11:36:16
